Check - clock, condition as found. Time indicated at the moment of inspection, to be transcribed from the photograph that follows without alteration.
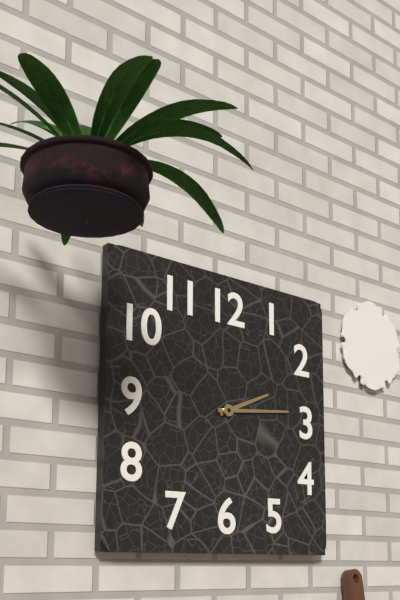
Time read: 2:14
